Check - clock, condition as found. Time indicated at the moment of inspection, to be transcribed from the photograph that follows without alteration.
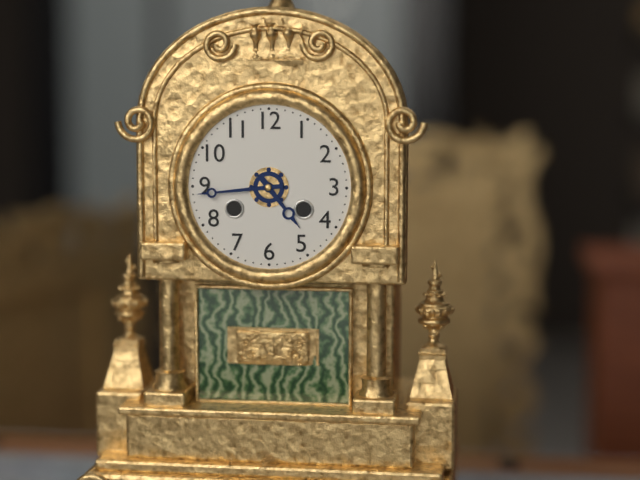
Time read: 4:44
